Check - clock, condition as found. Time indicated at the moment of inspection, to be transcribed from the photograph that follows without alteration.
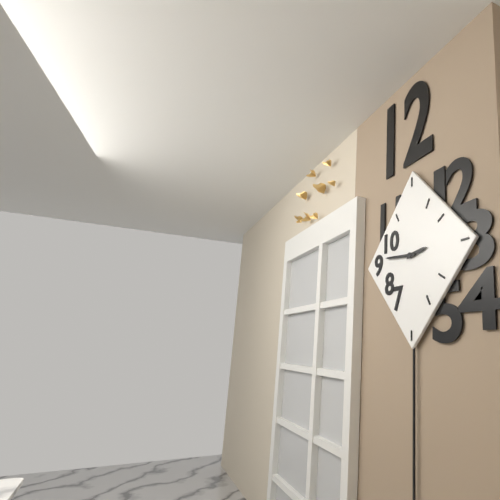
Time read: 2:46
